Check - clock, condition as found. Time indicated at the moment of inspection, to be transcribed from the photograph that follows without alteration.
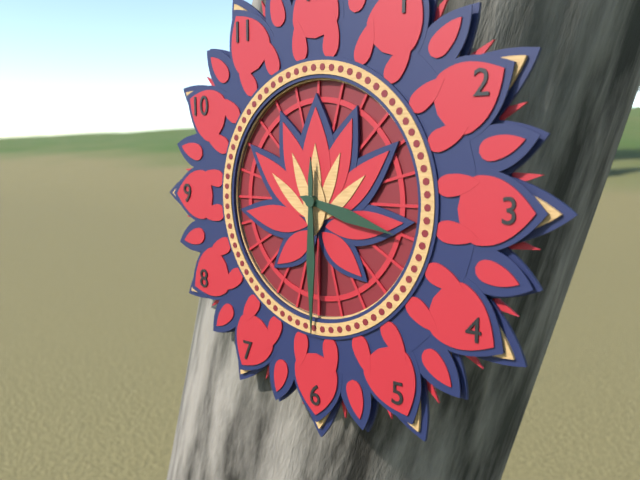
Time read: 3:30
